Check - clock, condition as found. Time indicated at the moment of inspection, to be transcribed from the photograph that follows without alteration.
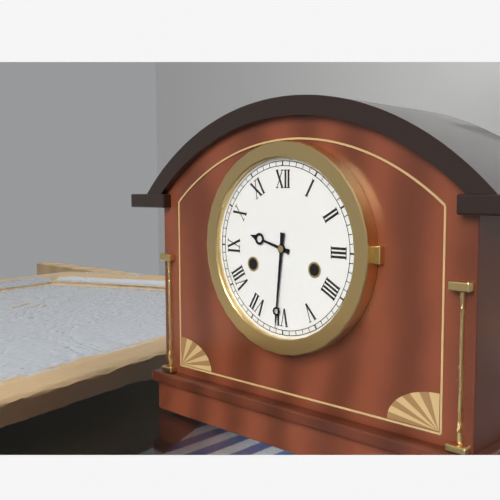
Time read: 9:31
